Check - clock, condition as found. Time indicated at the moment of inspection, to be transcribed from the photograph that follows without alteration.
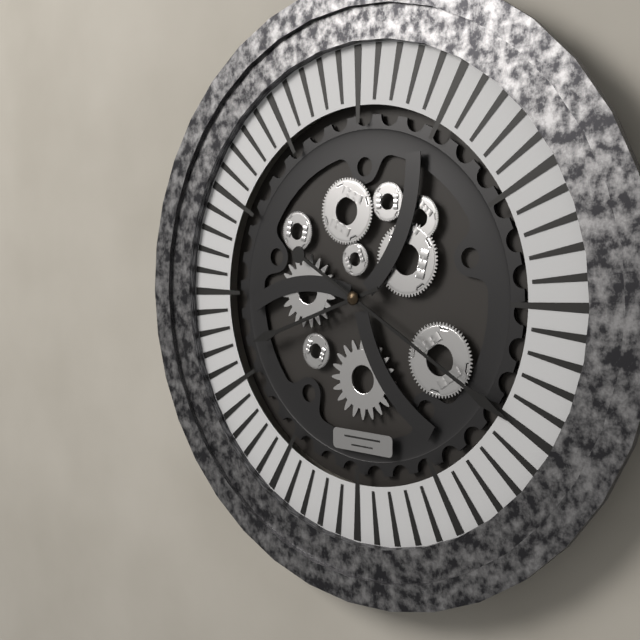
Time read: 8:20
